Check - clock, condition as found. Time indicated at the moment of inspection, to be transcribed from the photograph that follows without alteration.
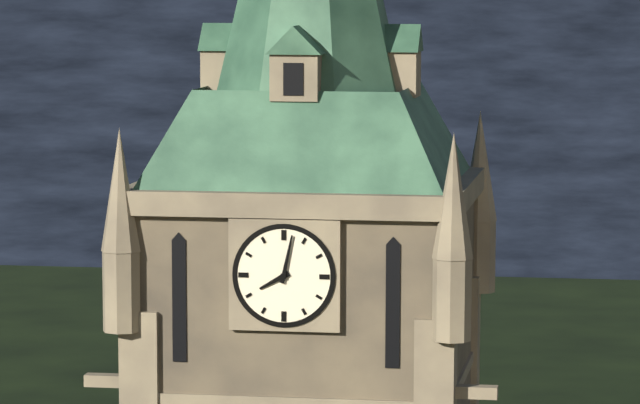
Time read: 8:02
